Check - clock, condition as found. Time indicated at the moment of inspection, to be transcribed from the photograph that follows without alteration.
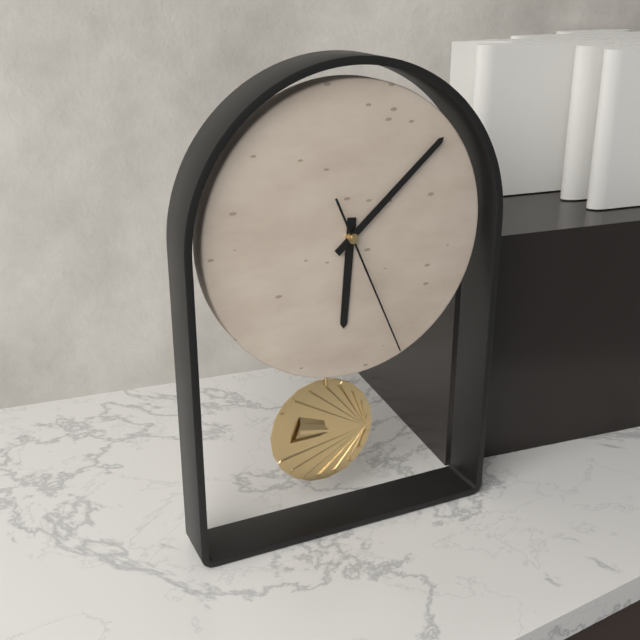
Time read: 6:08:26
